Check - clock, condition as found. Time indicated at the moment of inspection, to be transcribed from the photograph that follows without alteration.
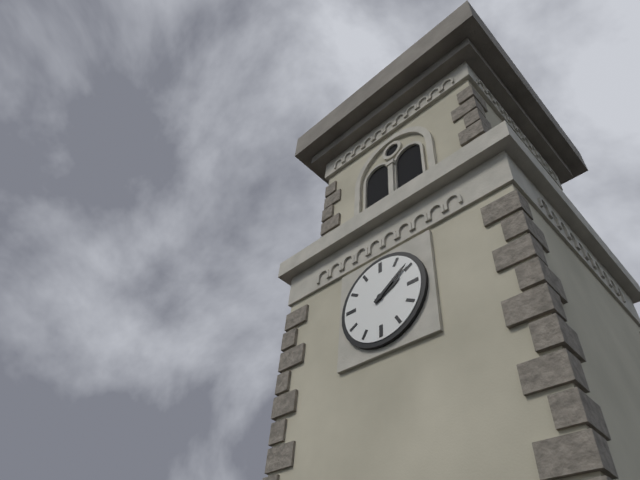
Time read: 2:09
